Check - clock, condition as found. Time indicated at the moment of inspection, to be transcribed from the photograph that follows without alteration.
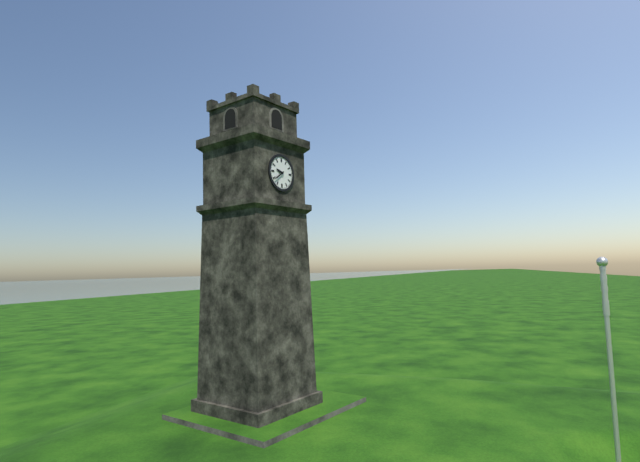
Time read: 9:39
